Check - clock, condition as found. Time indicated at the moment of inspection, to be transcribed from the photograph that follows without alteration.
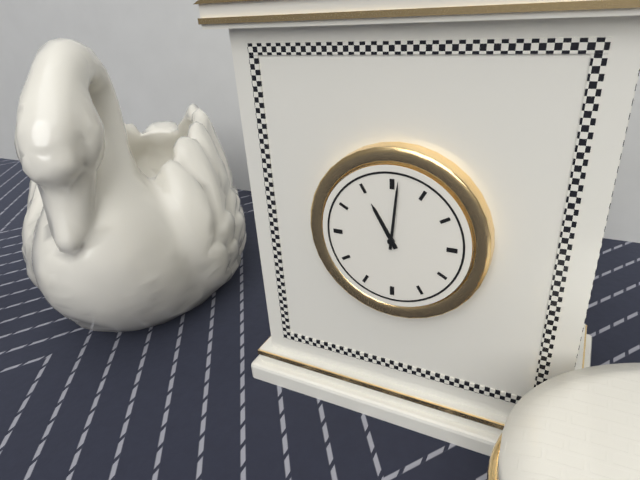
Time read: 11:01
